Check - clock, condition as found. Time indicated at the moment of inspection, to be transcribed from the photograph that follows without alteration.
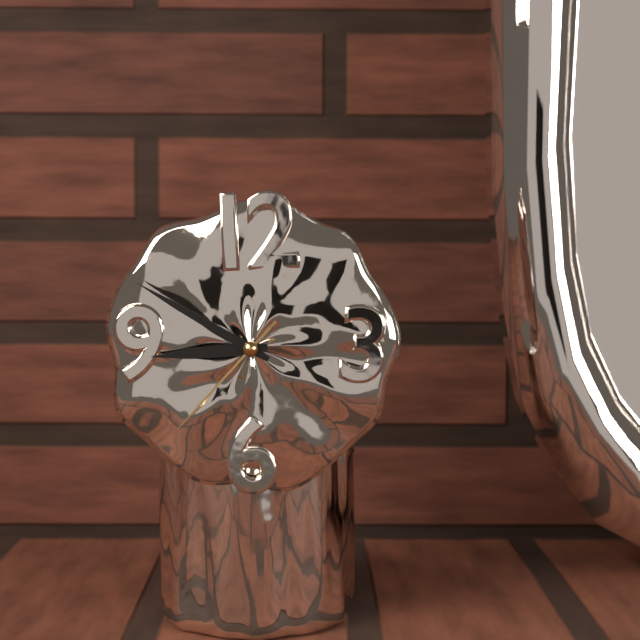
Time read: 8:50:37
